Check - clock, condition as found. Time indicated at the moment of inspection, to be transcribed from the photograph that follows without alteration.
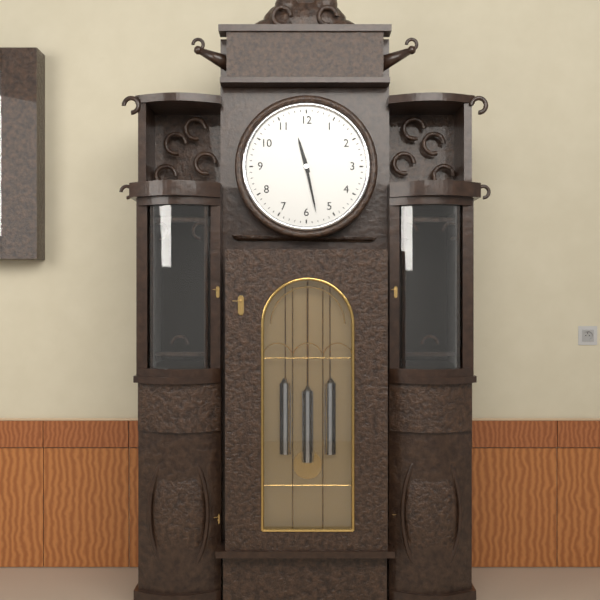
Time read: 11:28
